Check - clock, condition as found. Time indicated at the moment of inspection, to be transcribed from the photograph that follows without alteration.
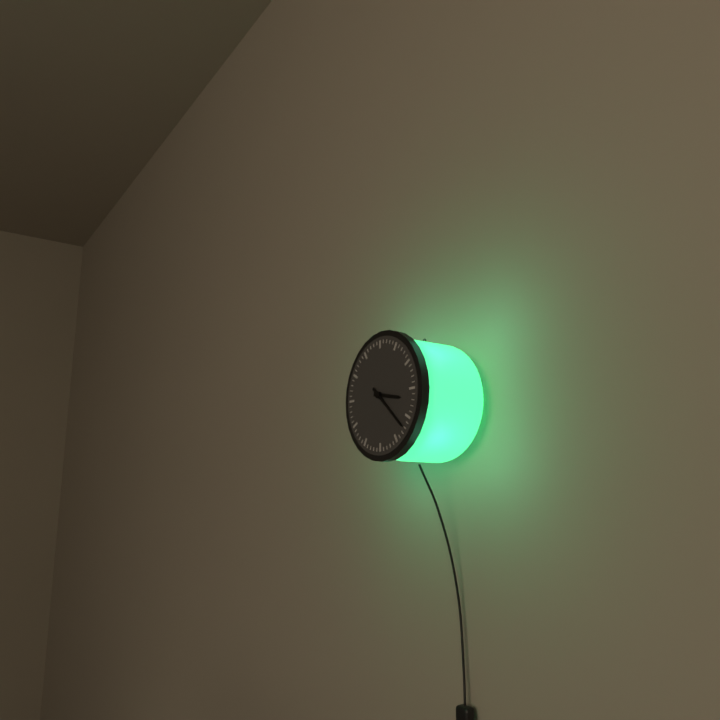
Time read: 3:22
